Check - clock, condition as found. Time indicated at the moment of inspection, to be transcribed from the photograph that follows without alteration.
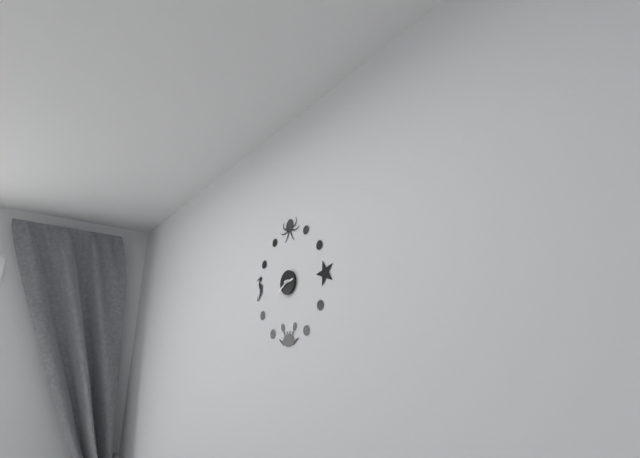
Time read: 2:40
